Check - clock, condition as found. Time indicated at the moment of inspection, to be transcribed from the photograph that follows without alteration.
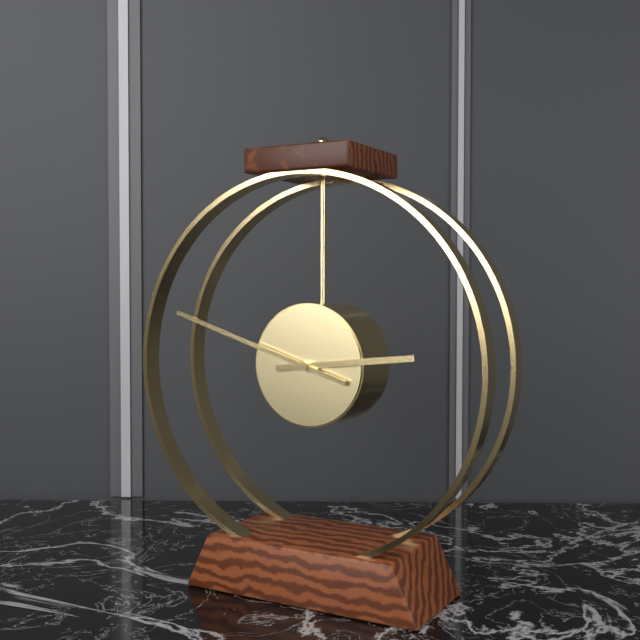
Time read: 2:48
